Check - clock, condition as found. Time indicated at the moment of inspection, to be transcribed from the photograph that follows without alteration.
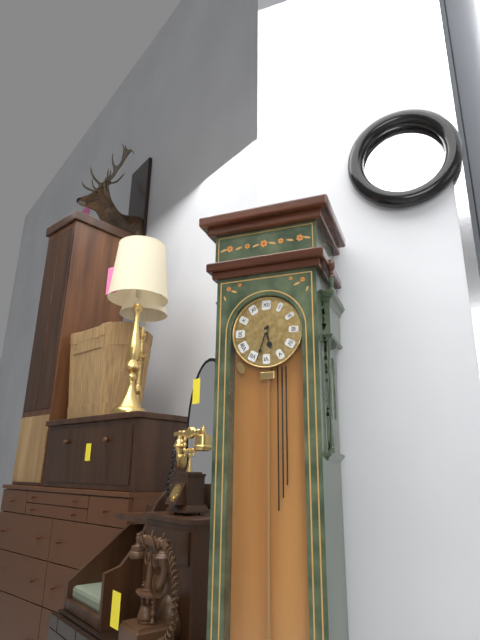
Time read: 5:33
